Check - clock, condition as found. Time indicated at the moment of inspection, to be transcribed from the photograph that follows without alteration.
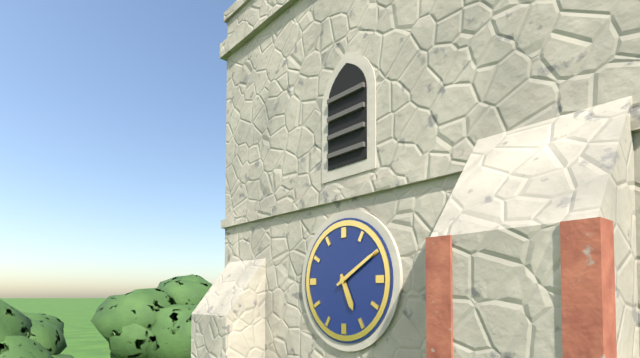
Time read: 5:10
